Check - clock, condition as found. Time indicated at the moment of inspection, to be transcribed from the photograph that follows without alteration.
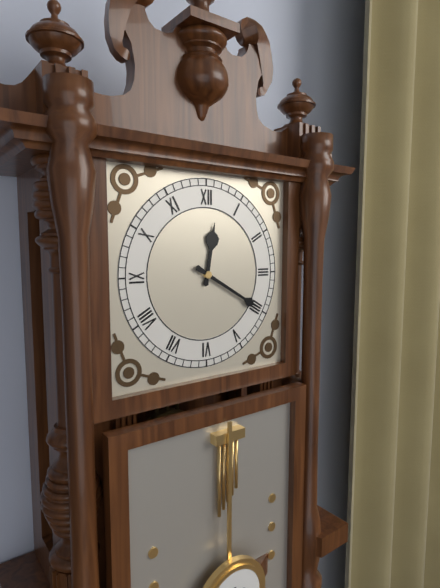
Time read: 12:20
